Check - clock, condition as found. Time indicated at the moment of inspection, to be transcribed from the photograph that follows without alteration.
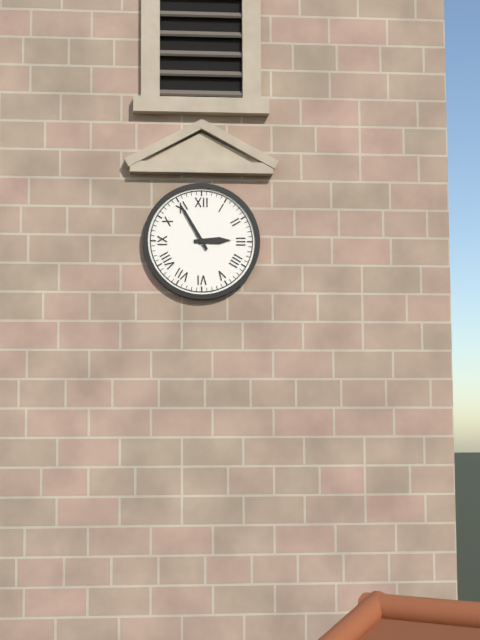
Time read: 2:55
